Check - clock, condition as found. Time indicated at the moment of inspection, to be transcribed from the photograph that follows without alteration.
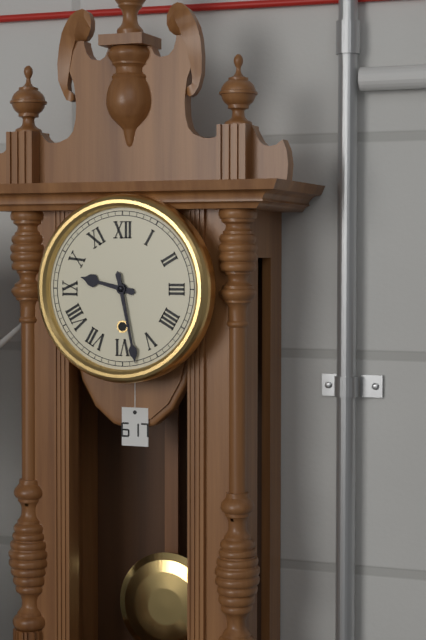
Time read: 9:28
